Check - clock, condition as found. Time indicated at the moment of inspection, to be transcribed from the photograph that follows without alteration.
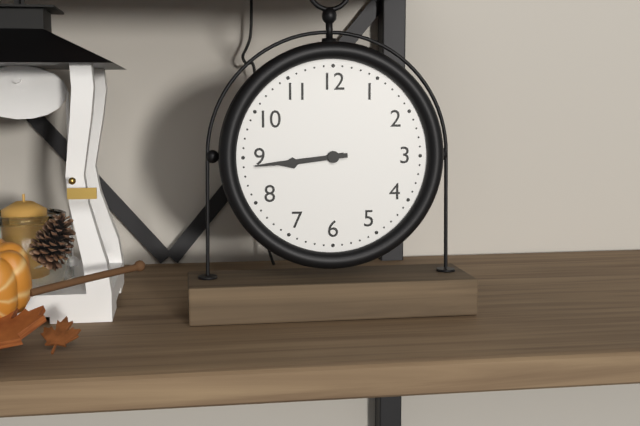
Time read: 8:44
